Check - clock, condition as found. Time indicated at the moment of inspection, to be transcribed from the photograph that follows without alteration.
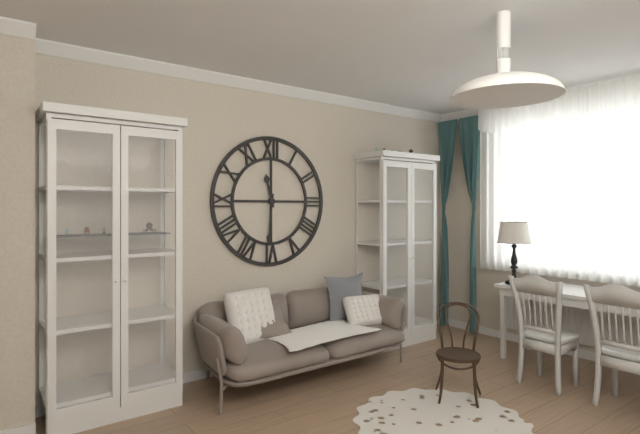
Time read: 11:31
